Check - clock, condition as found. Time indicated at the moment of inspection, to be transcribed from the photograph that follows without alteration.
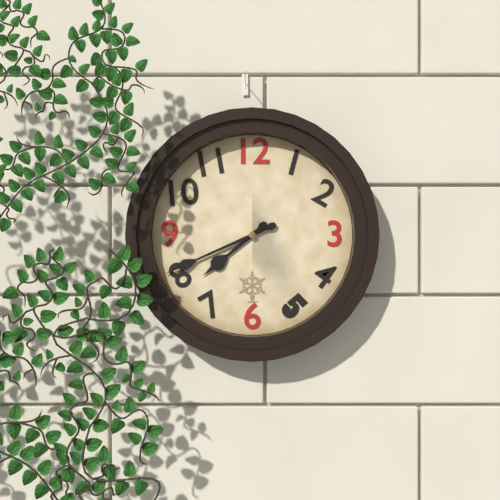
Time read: 7:41
